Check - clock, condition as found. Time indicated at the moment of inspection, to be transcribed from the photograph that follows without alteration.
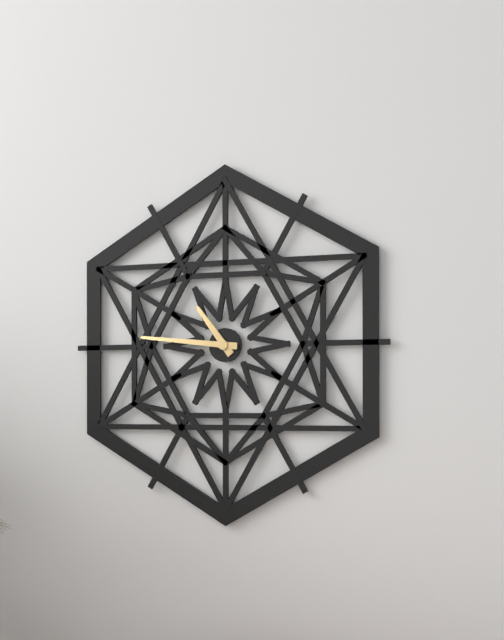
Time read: 10:46
